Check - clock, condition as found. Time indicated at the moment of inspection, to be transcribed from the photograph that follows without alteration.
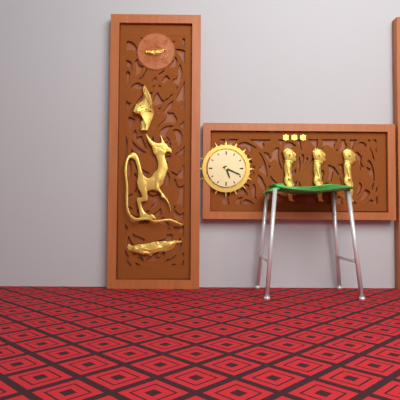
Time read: 5:19
